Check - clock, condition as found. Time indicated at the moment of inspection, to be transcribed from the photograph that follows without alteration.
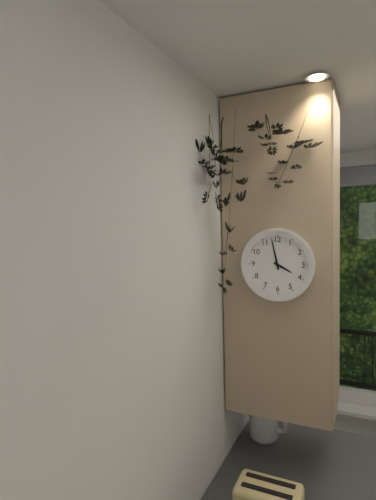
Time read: 3:58
